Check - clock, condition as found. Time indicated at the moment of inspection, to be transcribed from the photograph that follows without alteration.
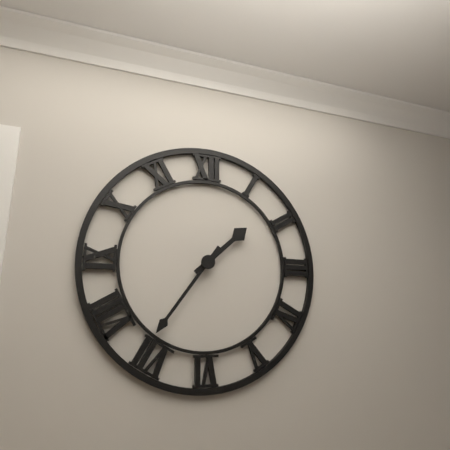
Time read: 1:36
